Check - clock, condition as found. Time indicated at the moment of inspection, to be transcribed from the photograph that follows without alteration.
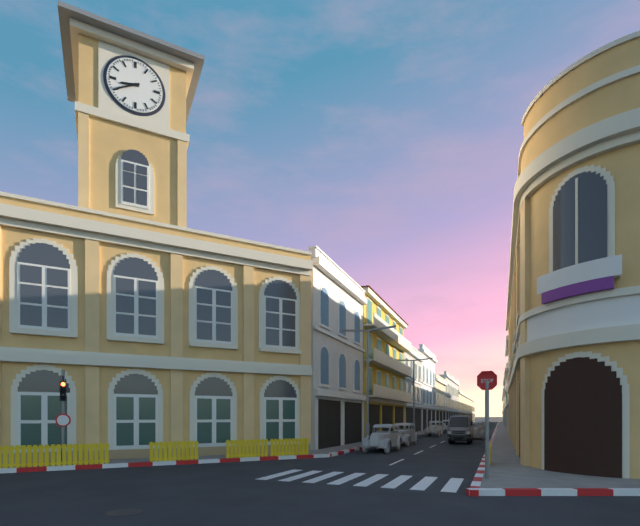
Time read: 8:40
